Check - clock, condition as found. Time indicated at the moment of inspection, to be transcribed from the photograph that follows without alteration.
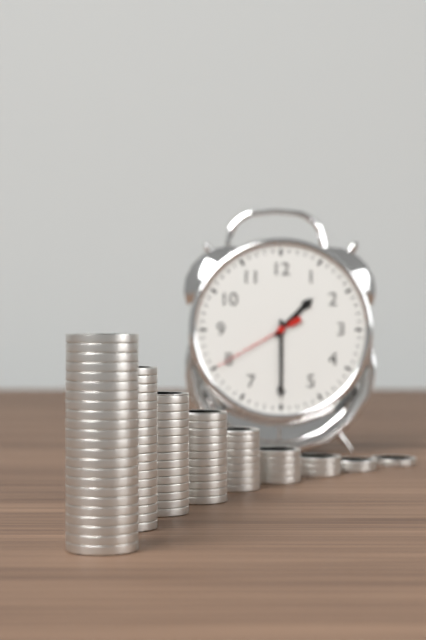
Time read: 1:30:40
